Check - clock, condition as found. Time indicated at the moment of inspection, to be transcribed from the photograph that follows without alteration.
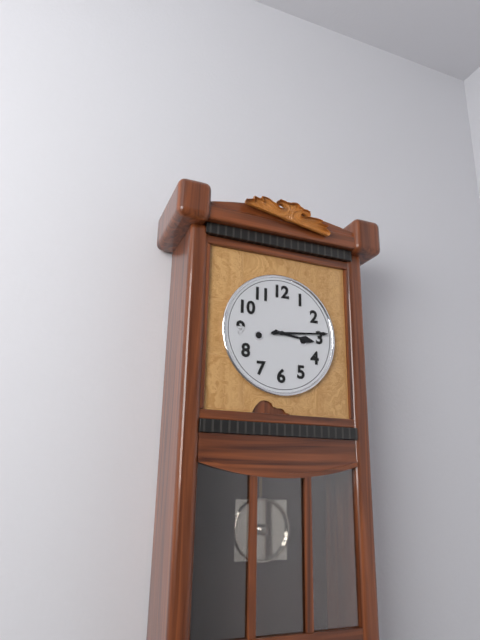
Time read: 3:14
